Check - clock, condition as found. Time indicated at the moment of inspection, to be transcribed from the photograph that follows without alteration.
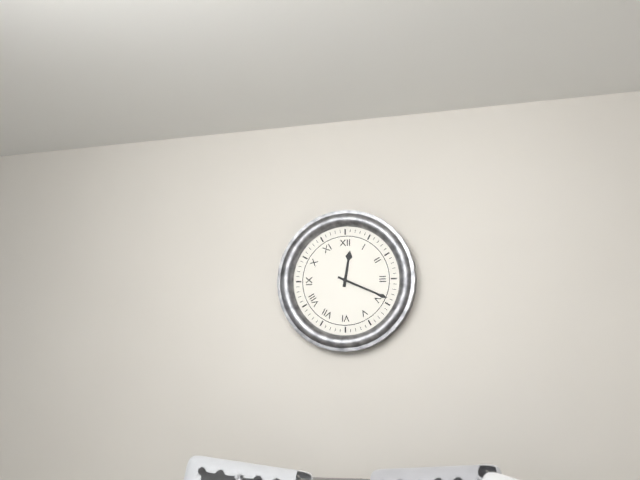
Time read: 12:19
